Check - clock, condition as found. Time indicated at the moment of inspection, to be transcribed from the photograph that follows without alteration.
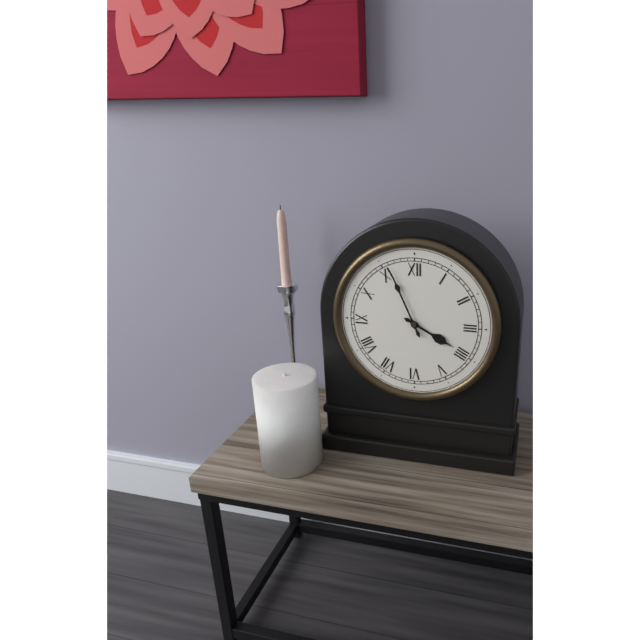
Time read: 3:56
